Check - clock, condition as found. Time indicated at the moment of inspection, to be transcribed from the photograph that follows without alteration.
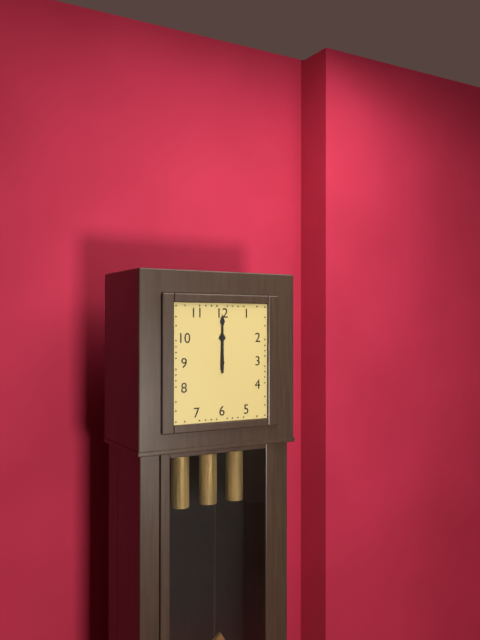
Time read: 12:00
